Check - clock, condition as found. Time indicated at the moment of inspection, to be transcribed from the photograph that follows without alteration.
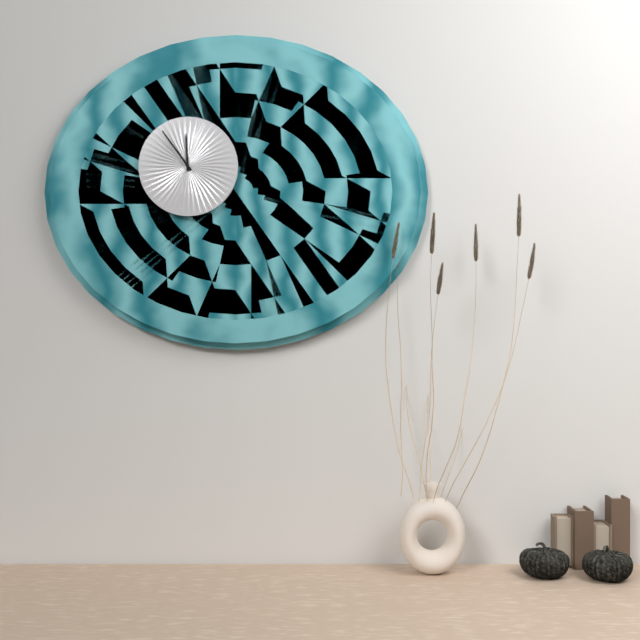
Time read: 11:54
